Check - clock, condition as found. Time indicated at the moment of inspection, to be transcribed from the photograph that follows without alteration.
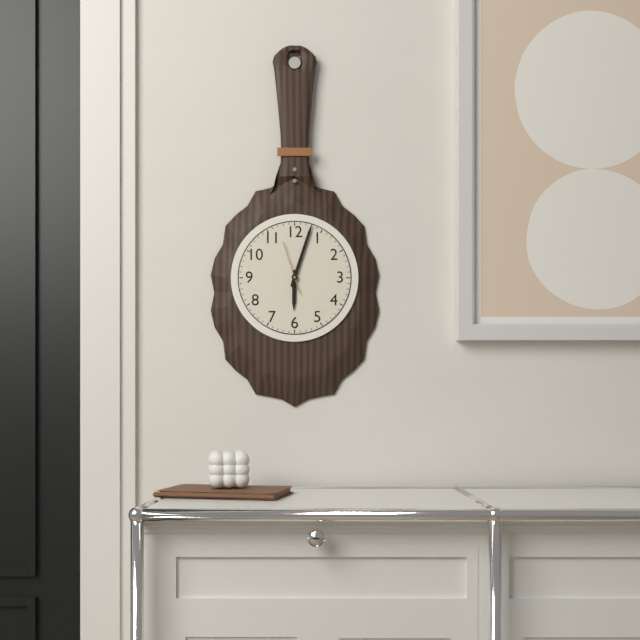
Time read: 6:03
